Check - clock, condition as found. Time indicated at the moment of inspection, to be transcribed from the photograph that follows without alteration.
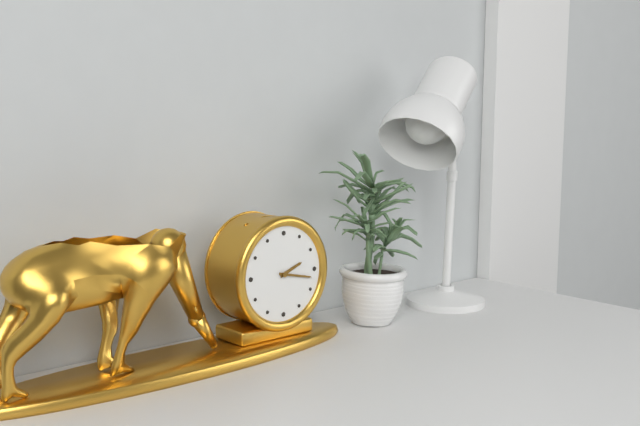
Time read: 2:17
